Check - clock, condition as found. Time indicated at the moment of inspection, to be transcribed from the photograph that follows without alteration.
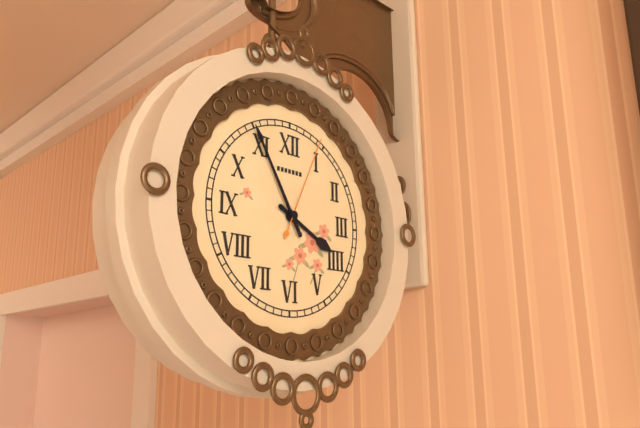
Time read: 3:55:04
